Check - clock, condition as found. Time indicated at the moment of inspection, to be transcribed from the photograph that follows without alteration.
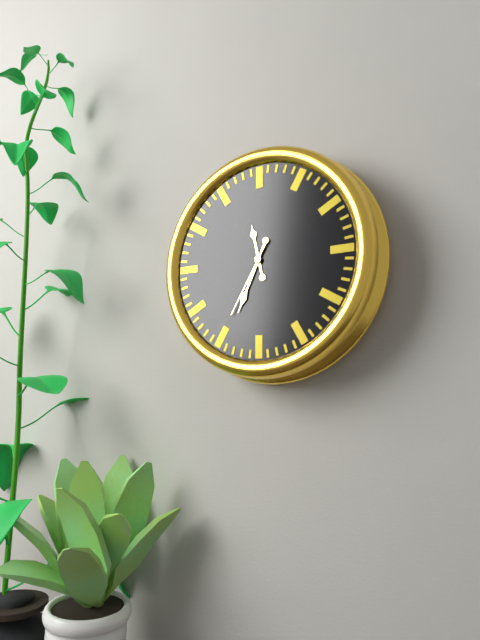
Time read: 11:34:35
